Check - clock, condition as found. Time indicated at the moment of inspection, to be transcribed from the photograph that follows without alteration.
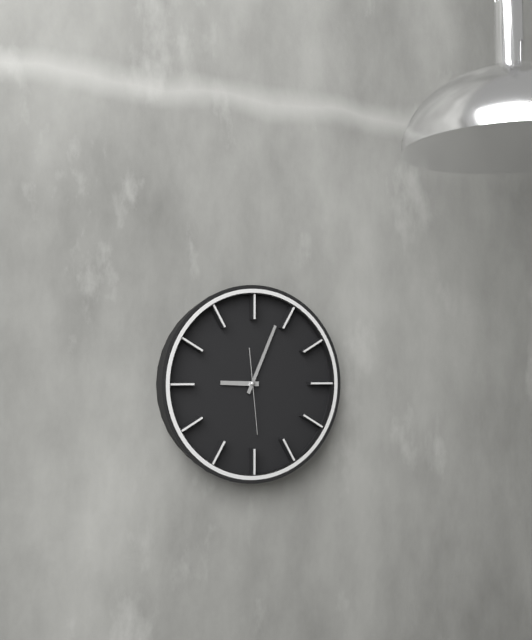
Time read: 9:04:29
